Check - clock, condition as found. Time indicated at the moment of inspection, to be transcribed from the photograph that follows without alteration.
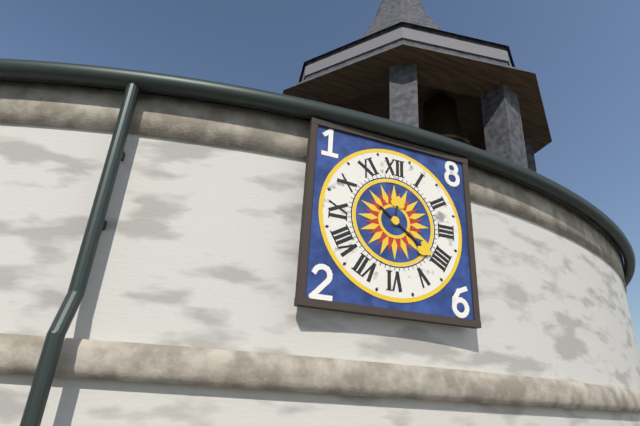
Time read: 12:21
